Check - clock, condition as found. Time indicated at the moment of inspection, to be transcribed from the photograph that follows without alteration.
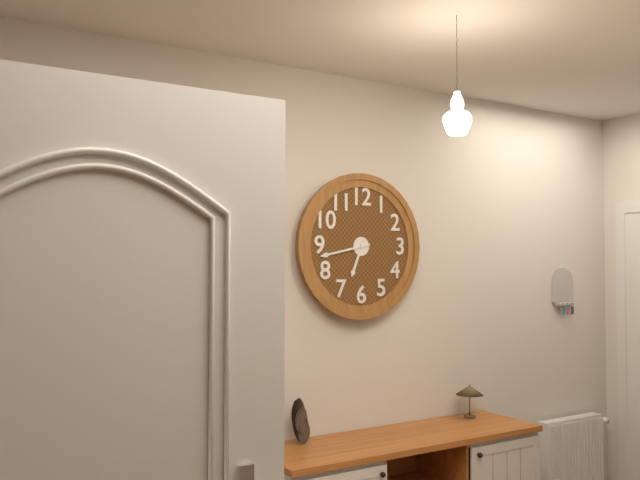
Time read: 6:43
